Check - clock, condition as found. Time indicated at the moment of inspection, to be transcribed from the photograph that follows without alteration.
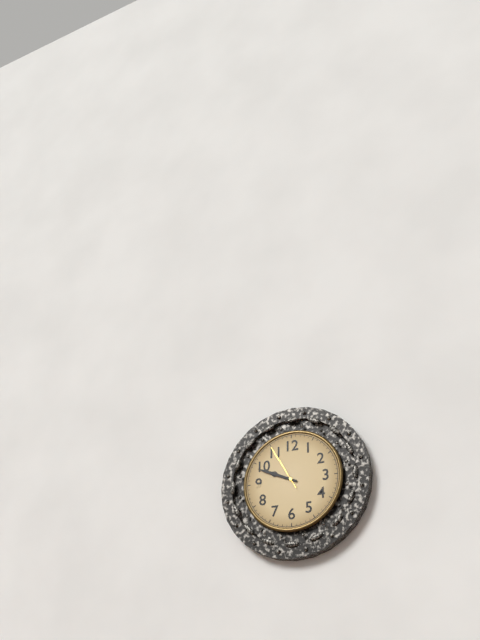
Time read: 9:49
